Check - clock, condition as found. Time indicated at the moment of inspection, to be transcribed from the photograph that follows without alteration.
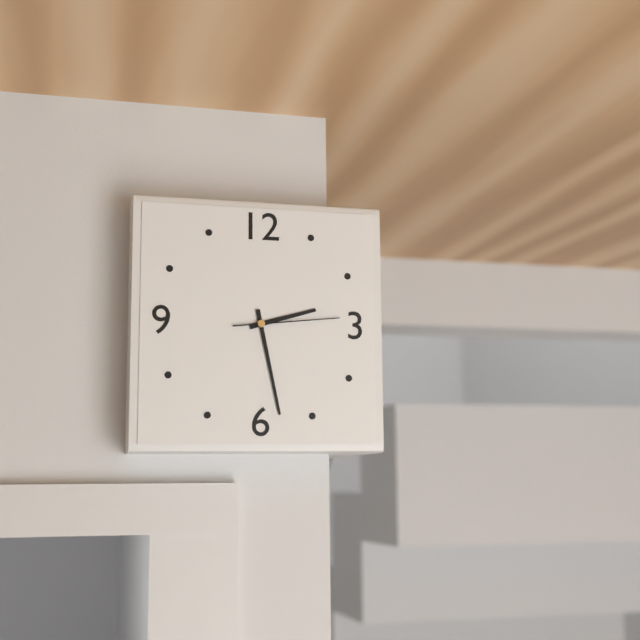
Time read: 2:28:14
